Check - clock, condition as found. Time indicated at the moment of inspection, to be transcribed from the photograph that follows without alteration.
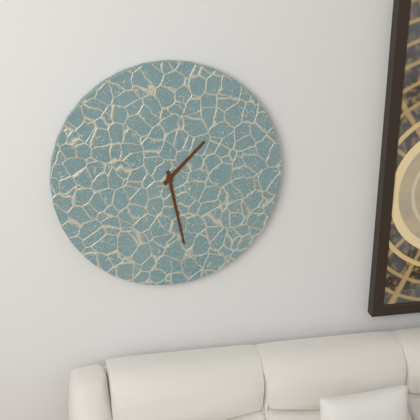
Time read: 1:28
